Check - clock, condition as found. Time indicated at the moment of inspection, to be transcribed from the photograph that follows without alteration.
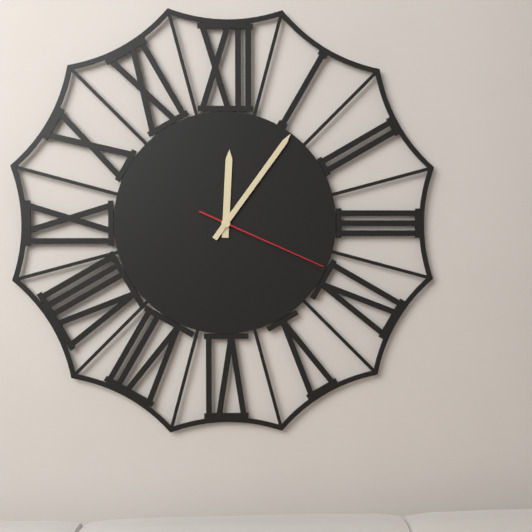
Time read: 12:06:19
